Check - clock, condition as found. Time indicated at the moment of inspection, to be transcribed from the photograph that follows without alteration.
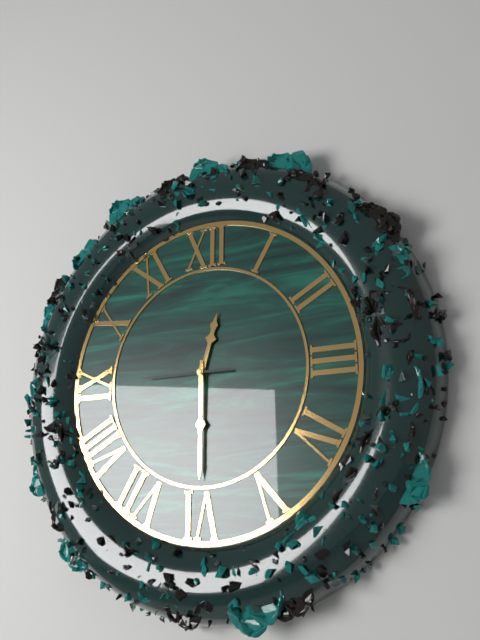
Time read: 12:30:45
